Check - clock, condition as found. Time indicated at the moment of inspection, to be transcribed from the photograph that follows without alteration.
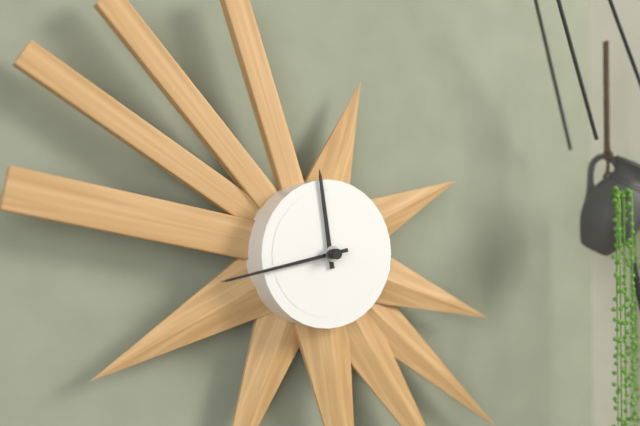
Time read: 11:43
